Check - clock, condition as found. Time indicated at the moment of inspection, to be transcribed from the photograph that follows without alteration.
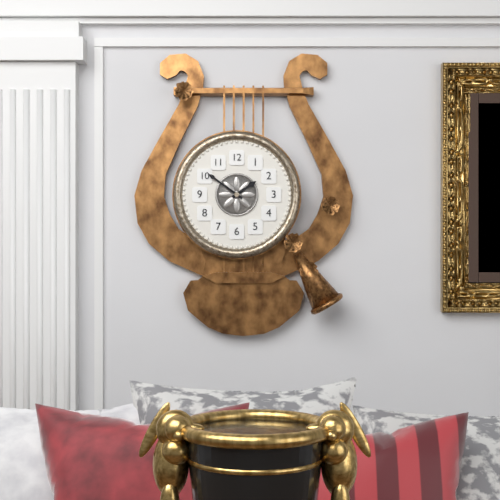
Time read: 1:51
